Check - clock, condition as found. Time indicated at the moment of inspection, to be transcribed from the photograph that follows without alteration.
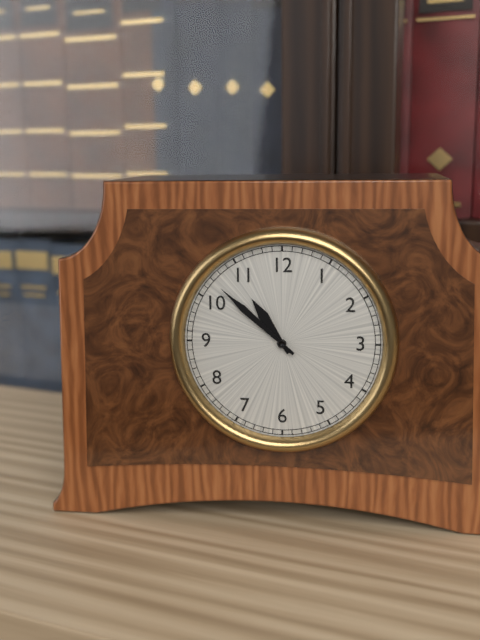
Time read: 10:52
